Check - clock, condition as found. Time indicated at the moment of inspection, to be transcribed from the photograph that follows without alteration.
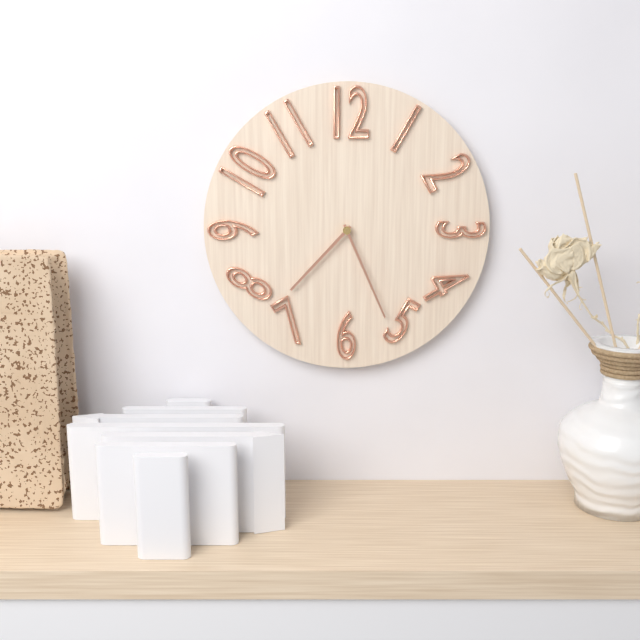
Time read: 7:26
